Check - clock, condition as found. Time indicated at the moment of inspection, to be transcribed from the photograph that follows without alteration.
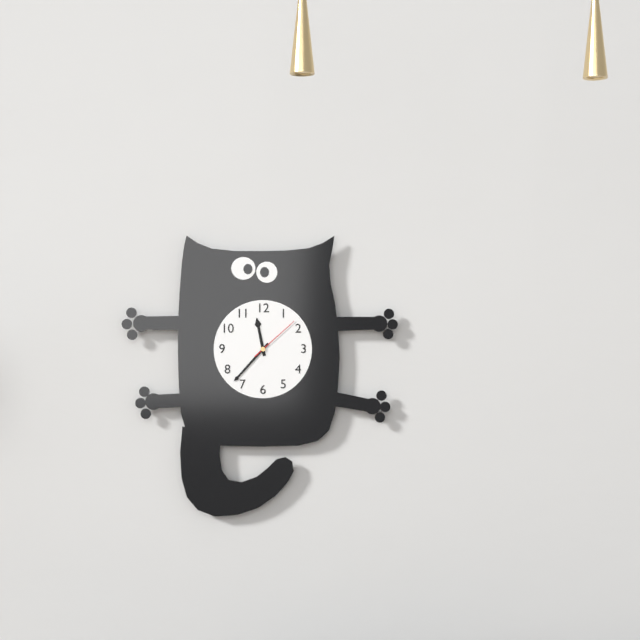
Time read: 11:37:08
